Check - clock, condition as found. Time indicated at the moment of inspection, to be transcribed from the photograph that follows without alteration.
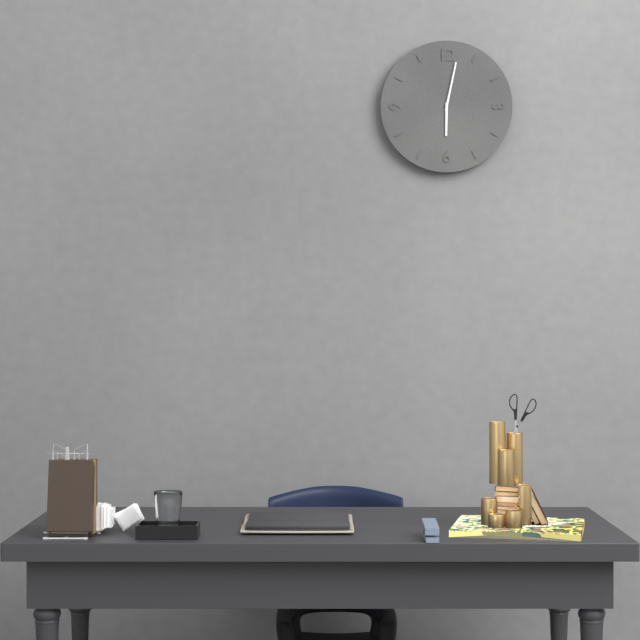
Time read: 6:02
